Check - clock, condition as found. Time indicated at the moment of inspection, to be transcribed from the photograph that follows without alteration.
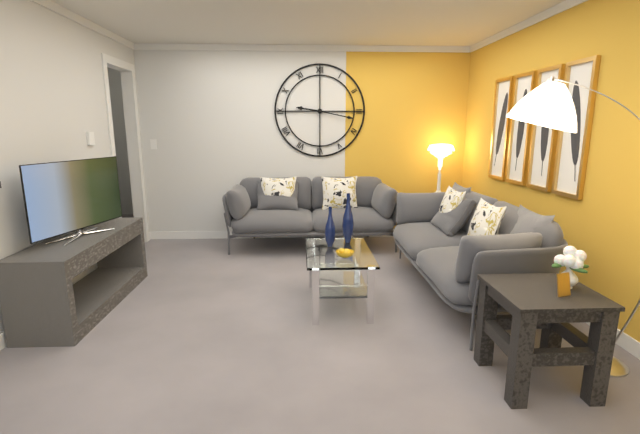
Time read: 9:17
